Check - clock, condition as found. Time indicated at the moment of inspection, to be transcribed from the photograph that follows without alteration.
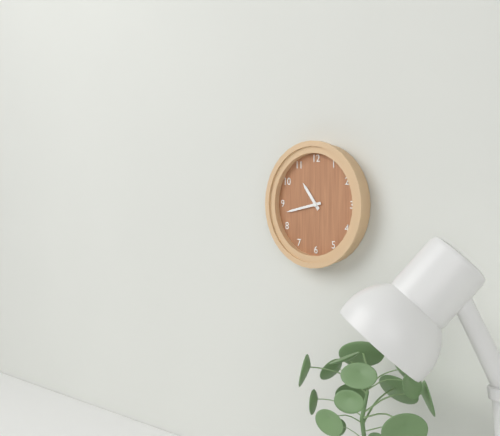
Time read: 10:43
